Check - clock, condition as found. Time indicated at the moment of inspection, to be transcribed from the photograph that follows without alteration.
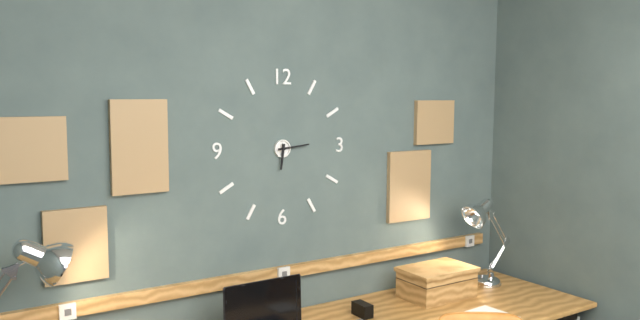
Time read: 6:14
